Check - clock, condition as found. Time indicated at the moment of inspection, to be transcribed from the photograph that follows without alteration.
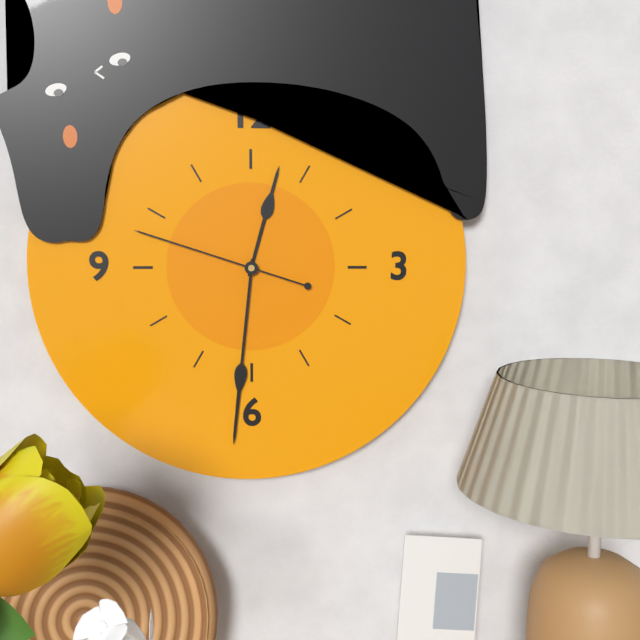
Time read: 12:31:48
